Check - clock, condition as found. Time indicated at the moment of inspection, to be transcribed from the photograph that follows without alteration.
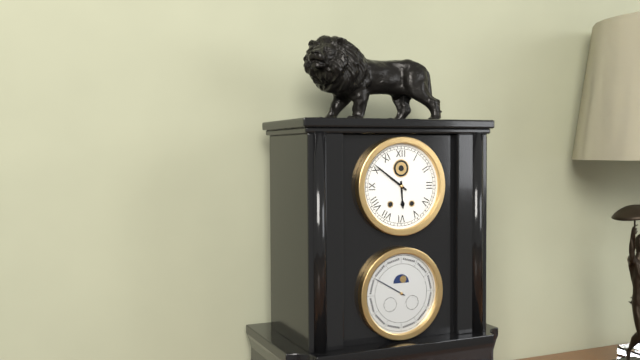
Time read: 5:51
